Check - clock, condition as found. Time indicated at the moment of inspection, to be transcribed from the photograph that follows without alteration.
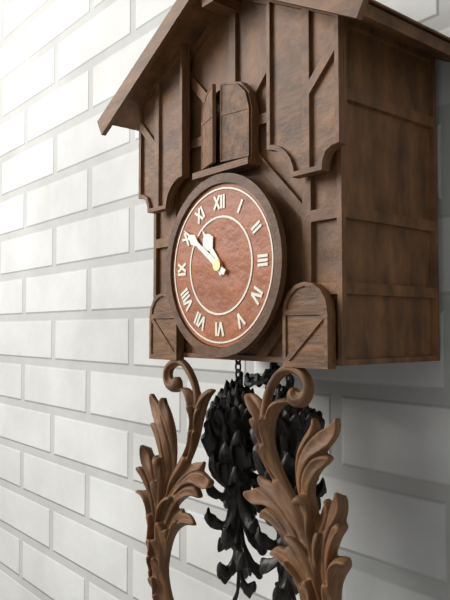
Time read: 10:51
